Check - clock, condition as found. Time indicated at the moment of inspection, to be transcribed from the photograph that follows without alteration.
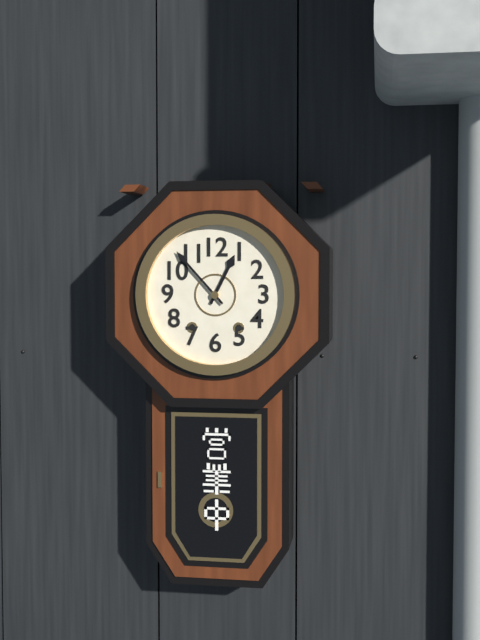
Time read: 12:53
